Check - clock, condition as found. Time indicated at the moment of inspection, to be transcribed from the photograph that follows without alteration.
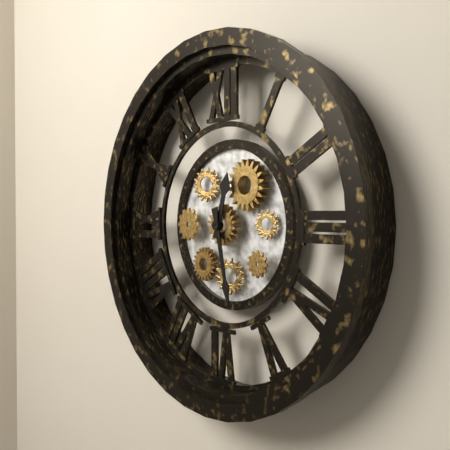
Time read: 12:28
